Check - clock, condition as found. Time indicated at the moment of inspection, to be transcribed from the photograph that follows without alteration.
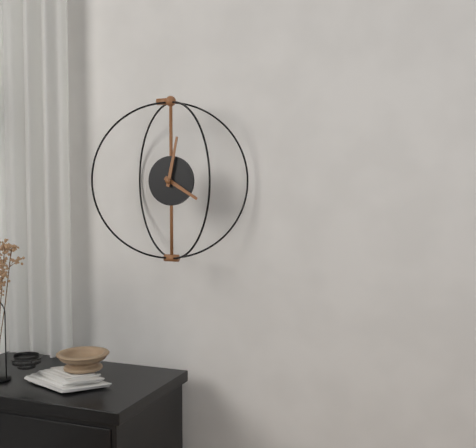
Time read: 4:02
